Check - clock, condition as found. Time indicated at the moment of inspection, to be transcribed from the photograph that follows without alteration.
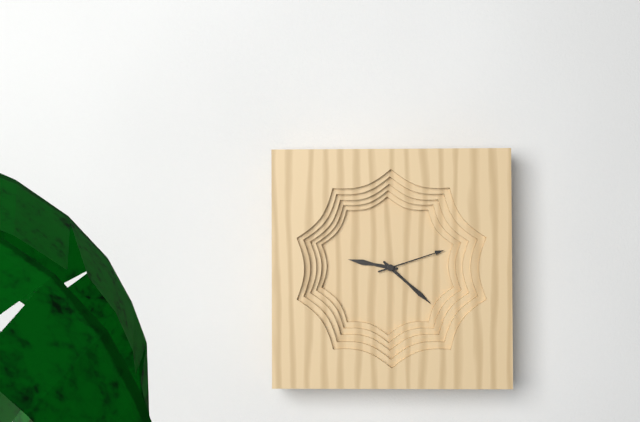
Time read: 9:22:12
